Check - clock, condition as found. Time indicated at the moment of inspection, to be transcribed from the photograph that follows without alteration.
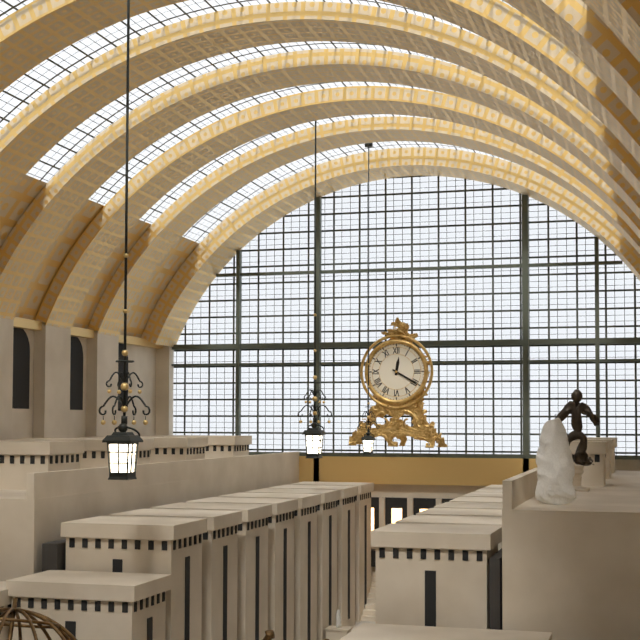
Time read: 12:20
